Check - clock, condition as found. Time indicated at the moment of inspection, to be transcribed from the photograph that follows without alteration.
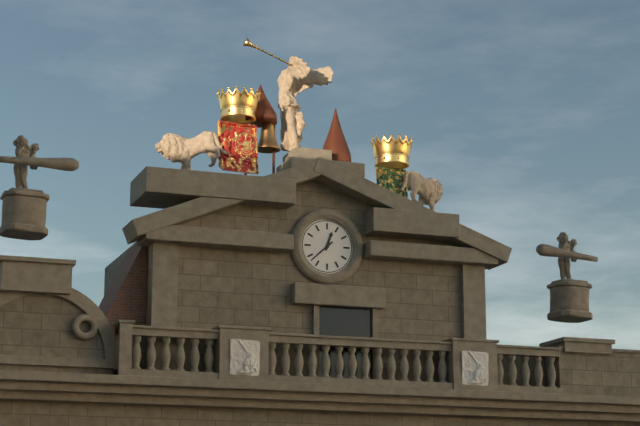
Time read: 12:38
